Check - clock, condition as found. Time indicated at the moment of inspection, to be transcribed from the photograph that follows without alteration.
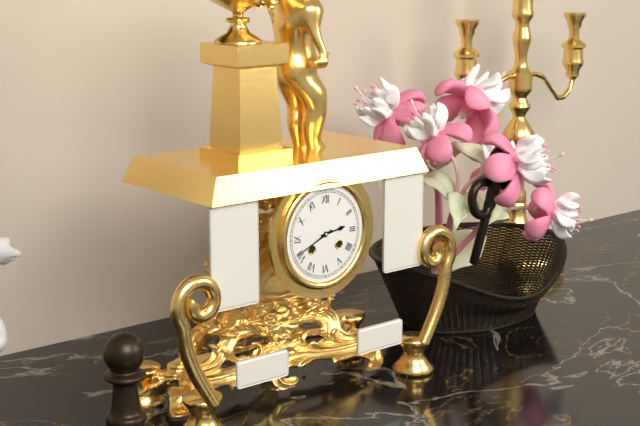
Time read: 2:41
